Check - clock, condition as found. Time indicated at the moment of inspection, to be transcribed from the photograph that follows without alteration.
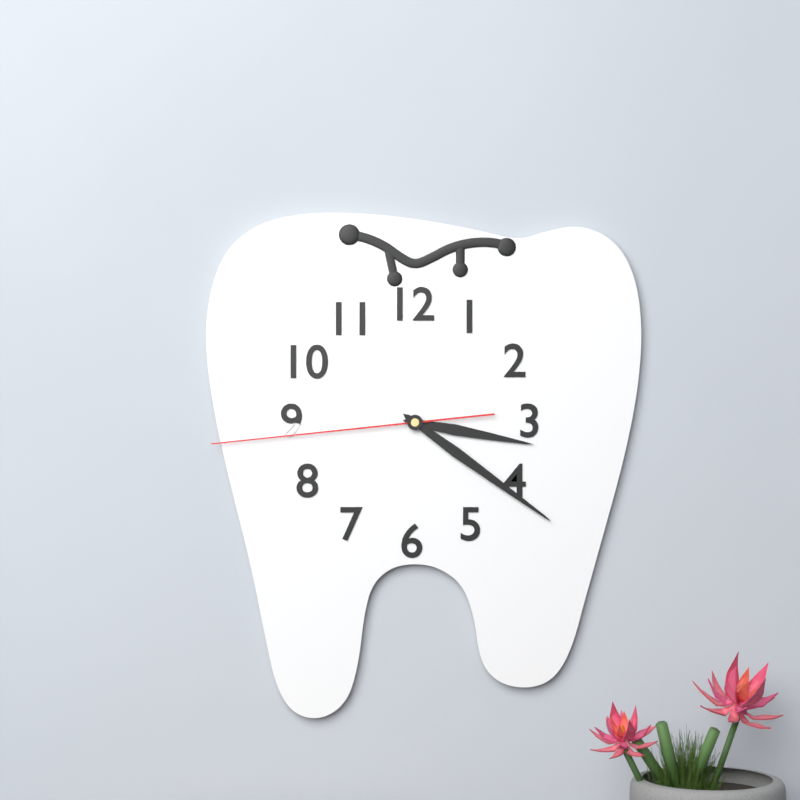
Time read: 3:21:44
